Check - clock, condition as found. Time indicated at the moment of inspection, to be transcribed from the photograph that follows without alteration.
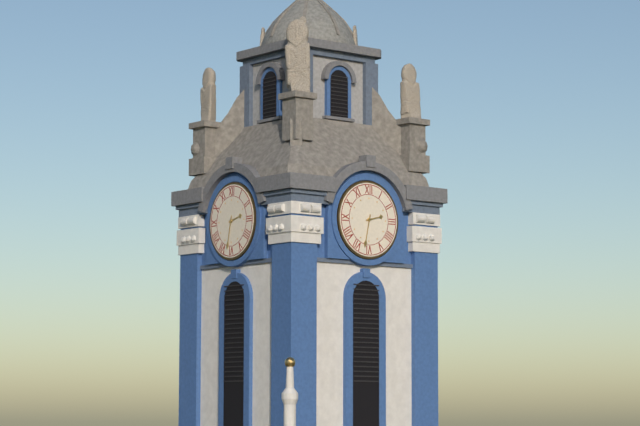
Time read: 2:32
